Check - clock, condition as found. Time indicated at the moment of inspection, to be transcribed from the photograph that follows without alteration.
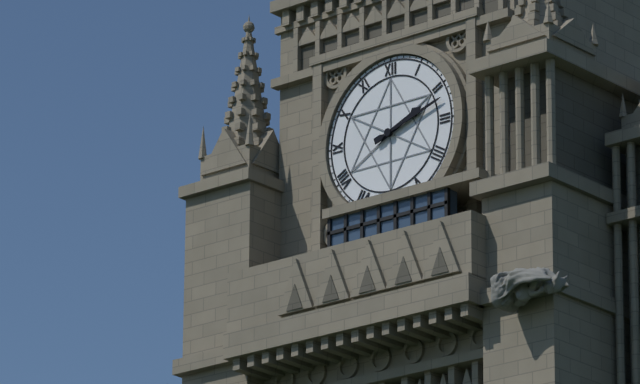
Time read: 2:12
